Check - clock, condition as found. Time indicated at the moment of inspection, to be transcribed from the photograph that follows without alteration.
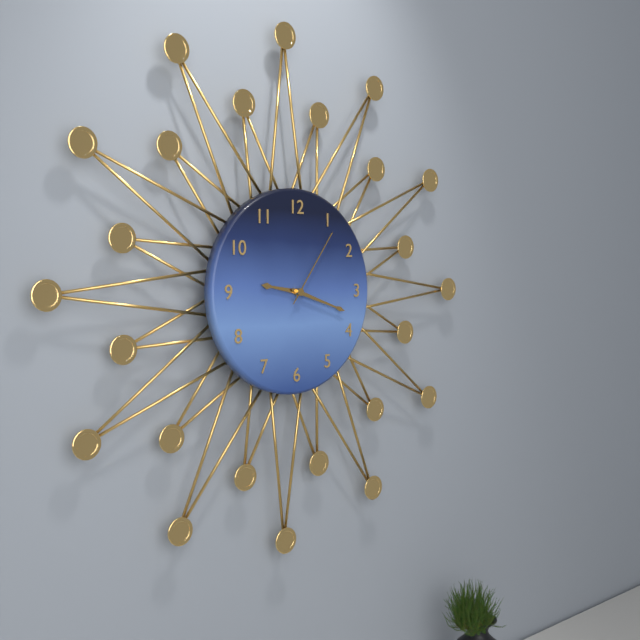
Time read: 9:18:06
